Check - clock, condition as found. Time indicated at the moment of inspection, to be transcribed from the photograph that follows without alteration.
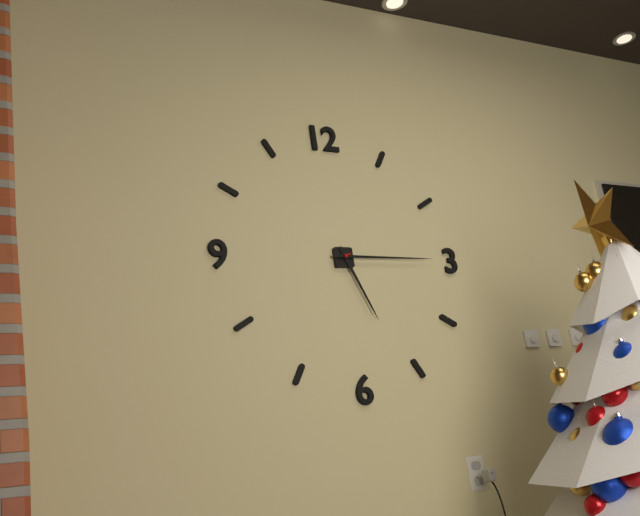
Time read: 5:15
